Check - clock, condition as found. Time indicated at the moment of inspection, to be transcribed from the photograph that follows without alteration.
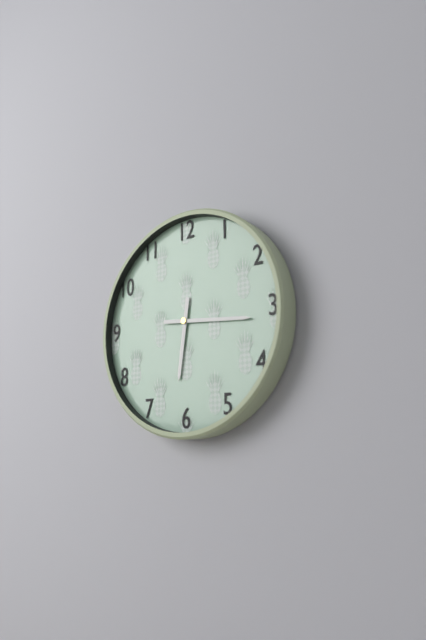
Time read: 6:16
